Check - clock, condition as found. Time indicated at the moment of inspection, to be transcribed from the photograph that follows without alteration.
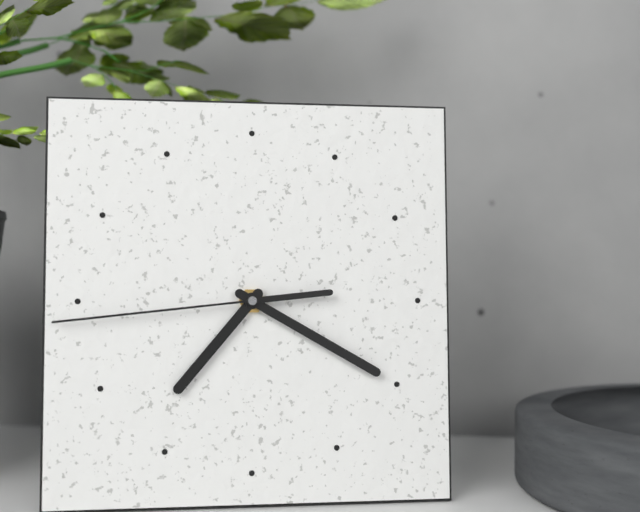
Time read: 7:20:44
